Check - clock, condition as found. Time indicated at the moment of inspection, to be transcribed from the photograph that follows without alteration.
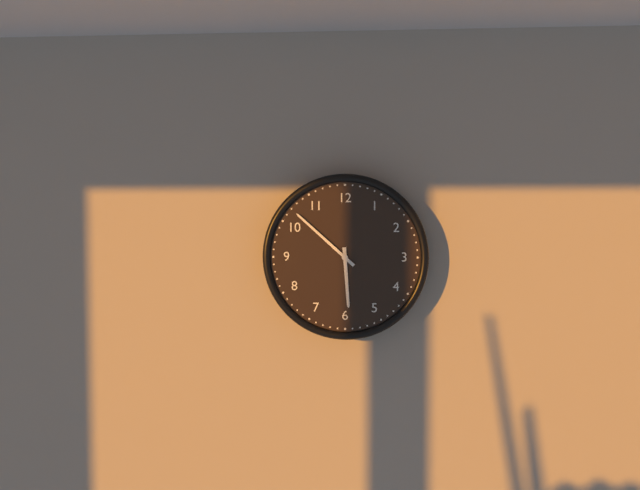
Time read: 5:52
